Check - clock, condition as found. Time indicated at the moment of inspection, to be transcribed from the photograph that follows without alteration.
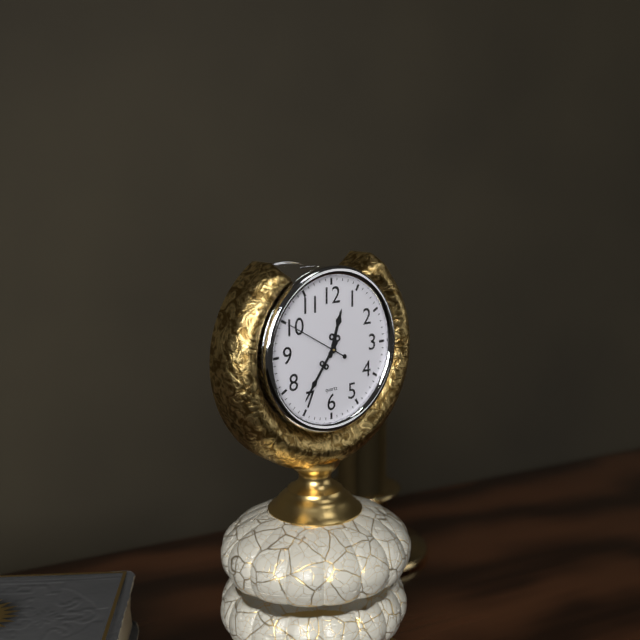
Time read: 12:36:50
